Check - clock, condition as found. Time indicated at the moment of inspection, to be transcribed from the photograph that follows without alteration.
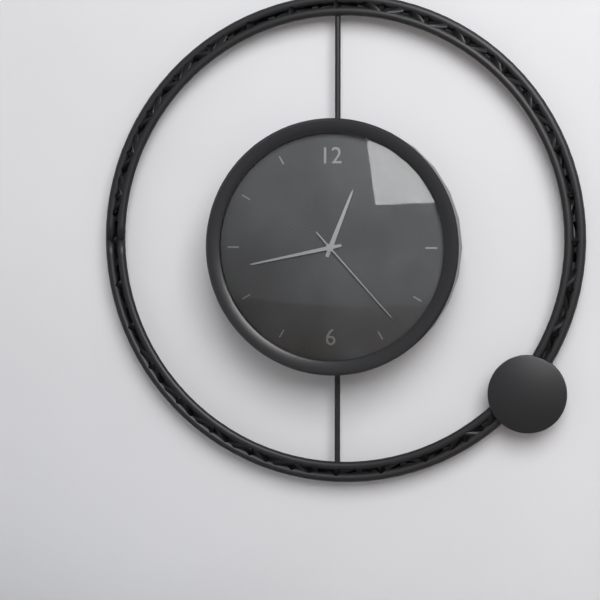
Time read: 12:43:23
